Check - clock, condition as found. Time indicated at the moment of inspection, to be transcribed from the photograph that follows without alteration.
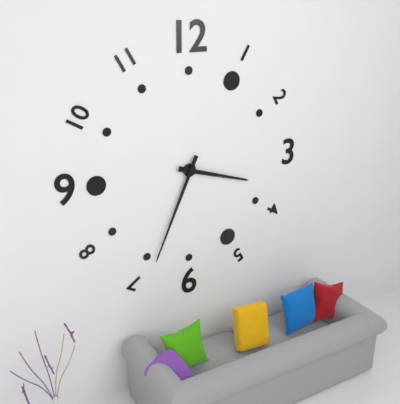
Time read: 3:34
